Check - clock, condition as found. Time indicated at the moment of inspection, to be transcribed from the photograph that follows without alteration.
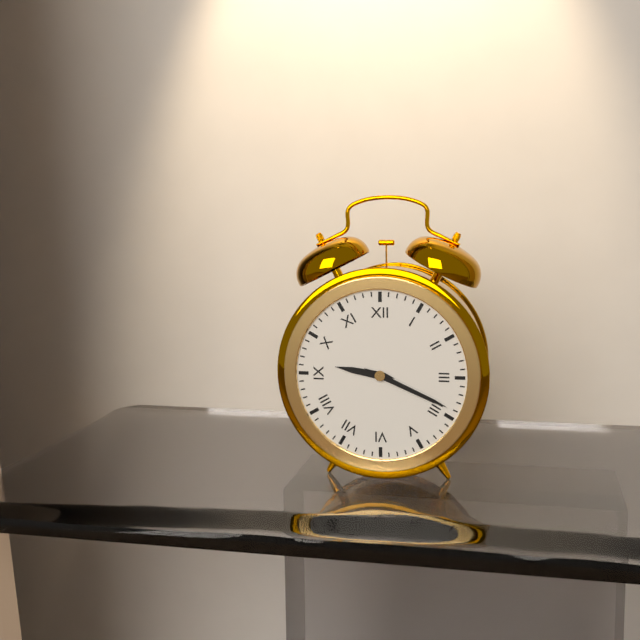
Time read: 9:19
